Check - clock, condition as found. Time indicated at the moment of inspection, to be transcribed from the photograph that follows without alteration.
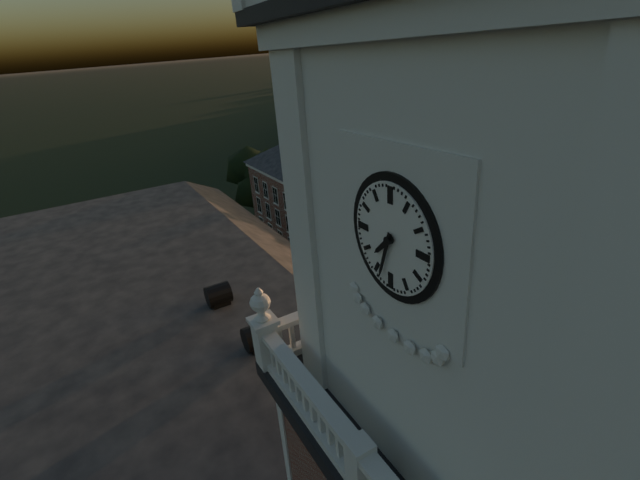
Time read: 7:33
